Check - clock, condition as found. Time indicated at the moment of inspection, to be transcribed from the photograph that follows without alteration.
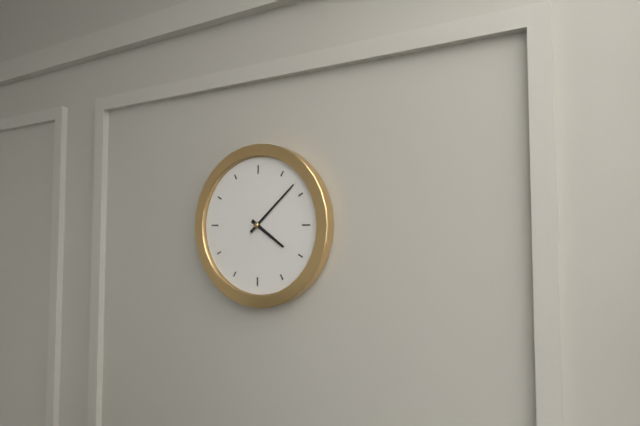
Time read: 4:08
